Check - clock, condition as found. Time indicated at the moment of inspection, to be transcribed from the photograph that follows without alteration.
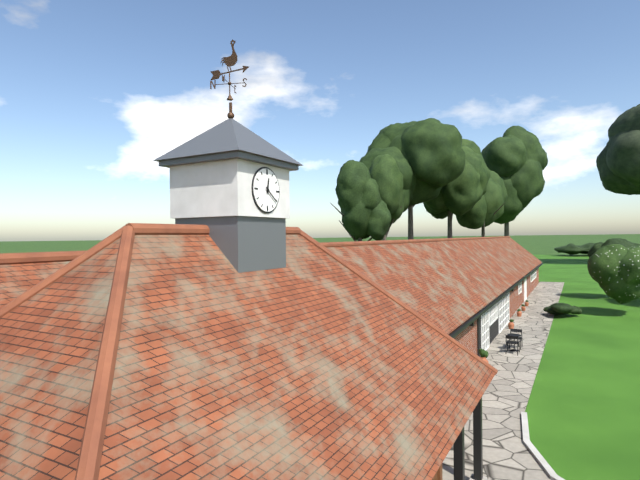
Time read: 12:21
